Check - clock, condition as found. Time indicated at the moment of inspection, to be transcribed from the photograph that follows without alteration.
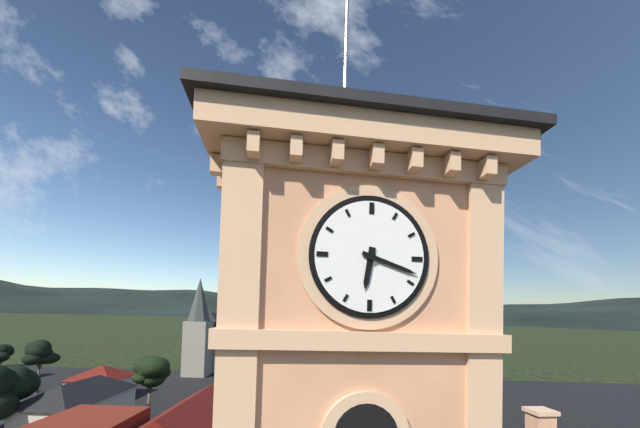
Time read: 6:18
